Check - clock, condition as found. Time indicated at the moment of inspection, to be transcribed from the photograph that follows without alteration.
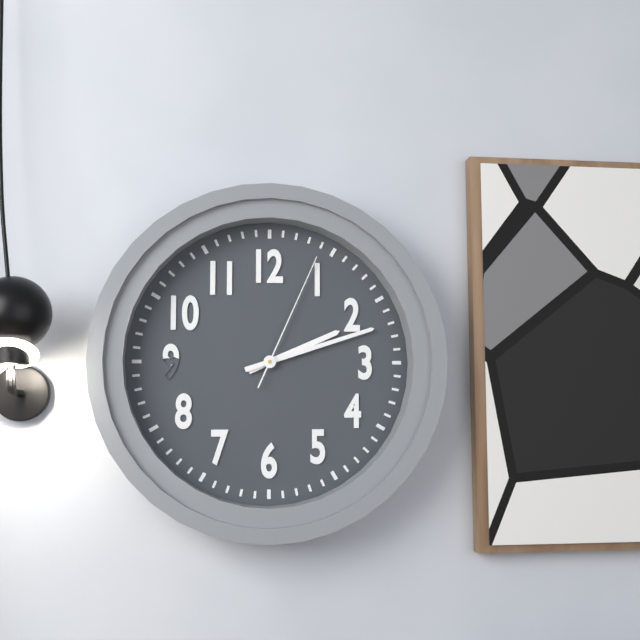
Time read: 2:12:04
